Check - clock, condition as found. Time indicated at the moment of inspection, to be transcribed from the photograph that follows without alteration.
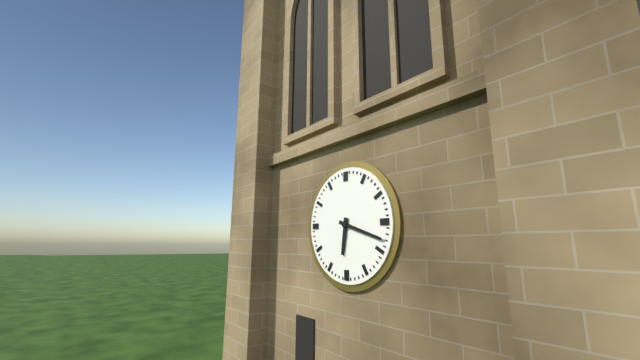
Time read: 6:18
